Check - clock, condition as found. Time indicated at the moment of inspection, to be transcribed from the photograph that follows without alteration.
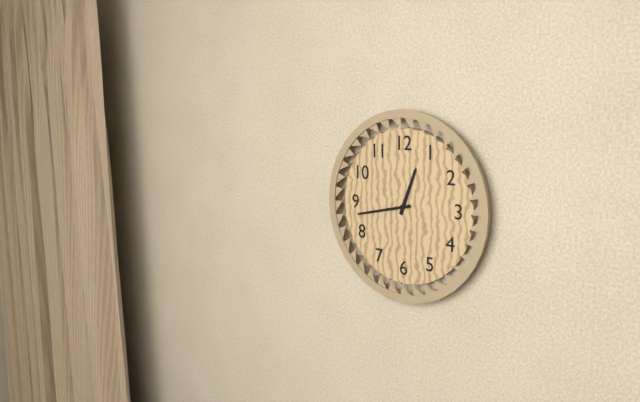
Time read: 12:43
